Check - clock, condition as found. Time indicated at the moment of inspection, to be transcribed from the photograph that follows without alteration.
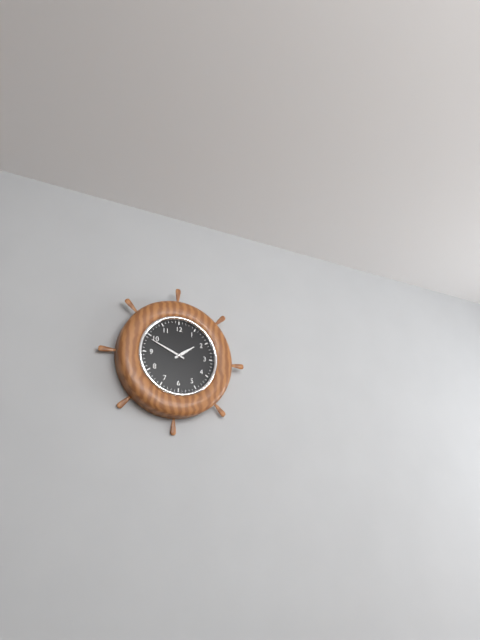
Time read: 1:49
